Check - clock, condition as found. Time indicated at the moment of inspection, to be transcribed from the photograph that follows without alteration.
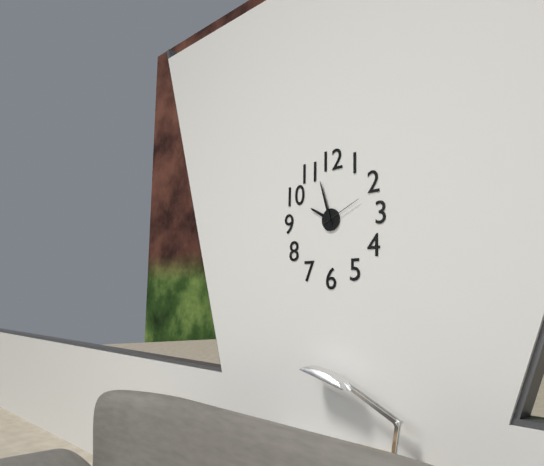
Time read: 9:57
